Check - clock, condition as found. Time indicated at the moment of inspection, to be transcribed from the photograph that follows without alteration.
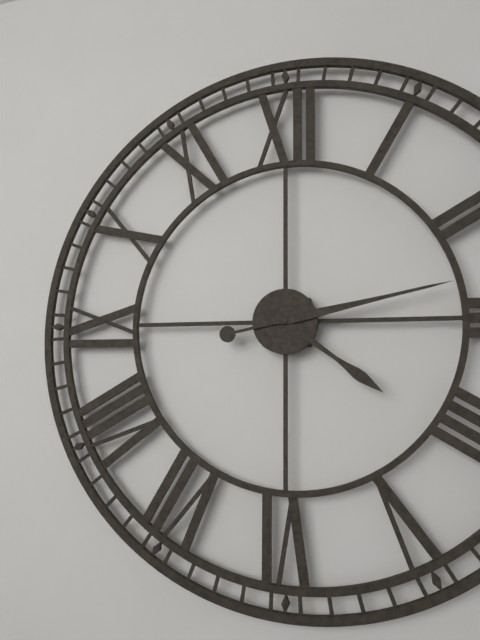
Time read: 4:13
